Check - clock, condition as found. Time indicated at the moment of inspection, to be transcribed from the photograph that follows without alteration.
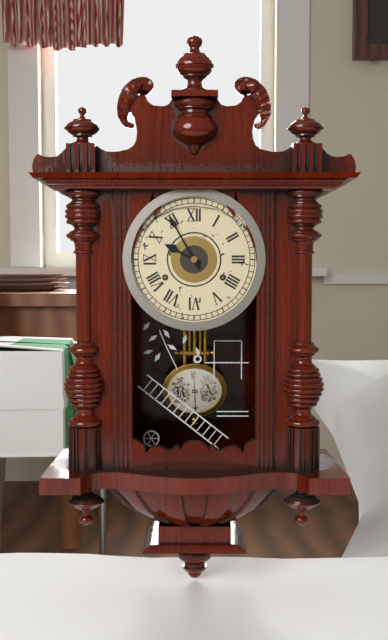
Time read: 9:55
